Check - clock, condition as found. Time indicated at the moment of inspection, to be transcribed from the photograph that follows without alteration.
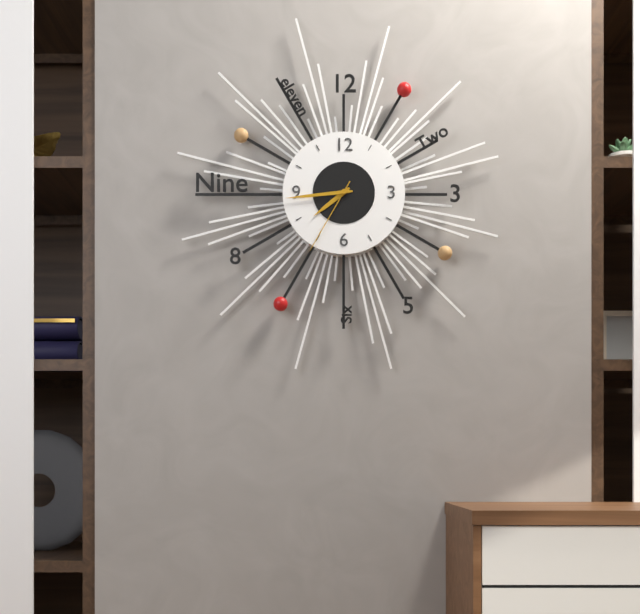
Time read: 7:44:35
